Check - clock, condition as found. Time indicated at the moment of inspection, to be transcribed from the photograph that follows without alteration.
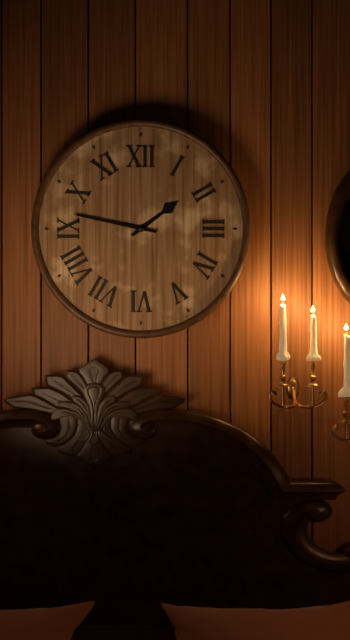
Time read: 1:47
